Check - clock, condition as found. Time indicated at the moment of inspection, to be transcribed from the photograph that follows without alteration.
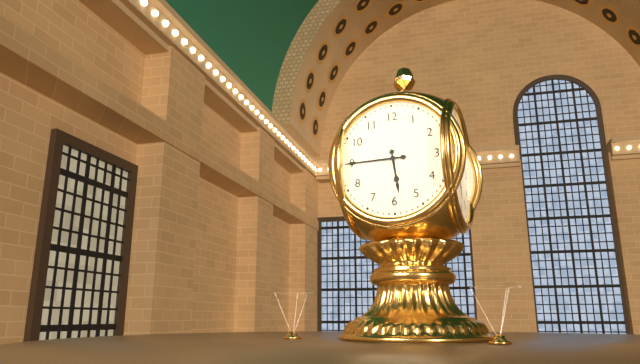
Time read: 5:45
